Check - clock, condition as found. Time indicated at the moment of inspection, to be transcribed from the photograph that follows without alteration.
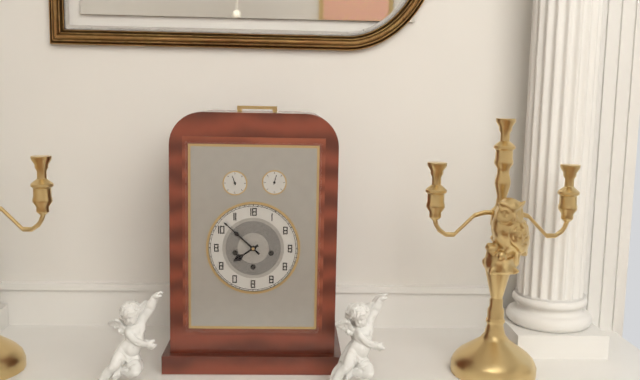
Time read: 7:52
